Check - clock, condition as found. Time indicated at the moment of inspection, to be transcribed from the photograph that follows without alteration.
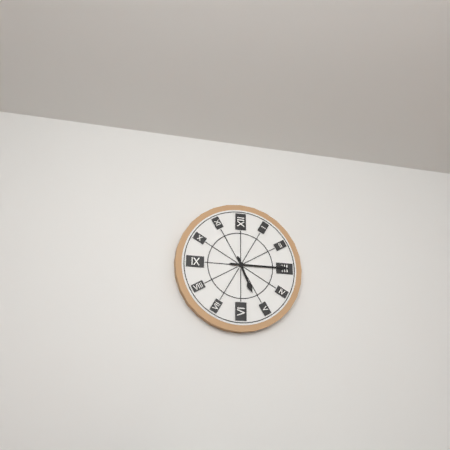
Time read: 5:15
